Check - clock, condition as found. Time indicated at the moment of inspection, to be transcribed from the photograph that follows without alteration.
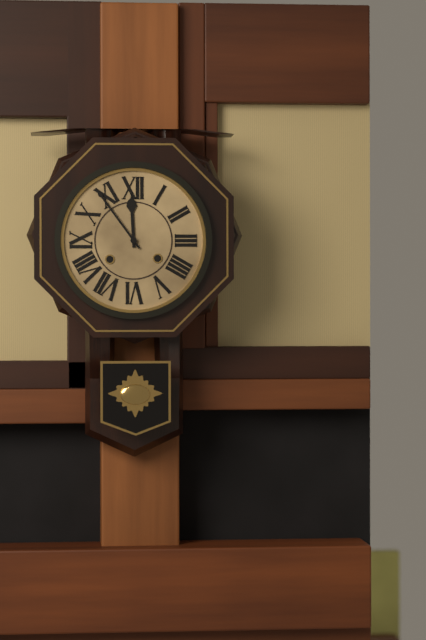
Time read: 11:54
